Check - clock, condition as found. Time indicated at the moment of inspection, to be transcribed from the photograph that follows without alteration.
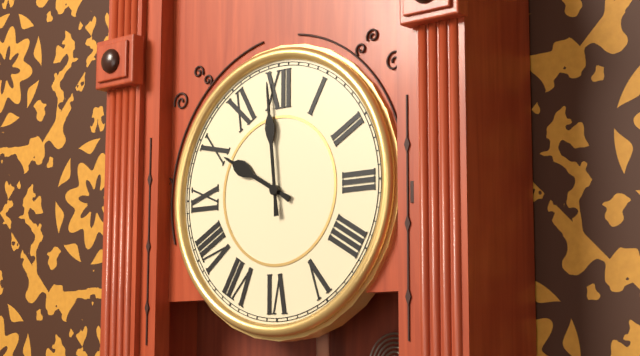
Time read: 9:59
